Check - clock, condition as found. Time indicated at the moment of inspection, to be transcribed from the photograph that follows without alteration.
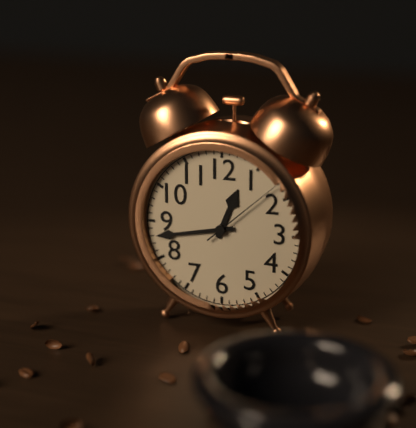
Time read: 12:43:08
